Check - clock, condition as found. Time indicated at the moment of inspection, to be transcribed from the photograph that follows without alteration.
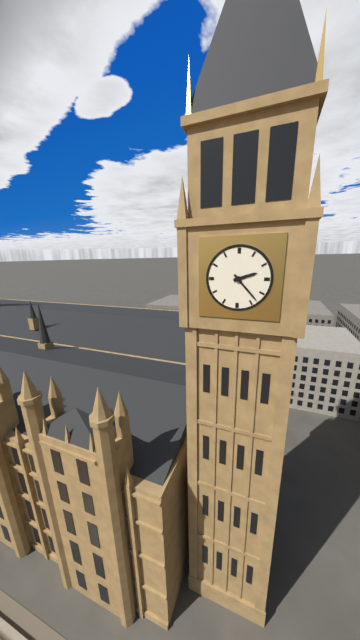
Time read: 2:23
